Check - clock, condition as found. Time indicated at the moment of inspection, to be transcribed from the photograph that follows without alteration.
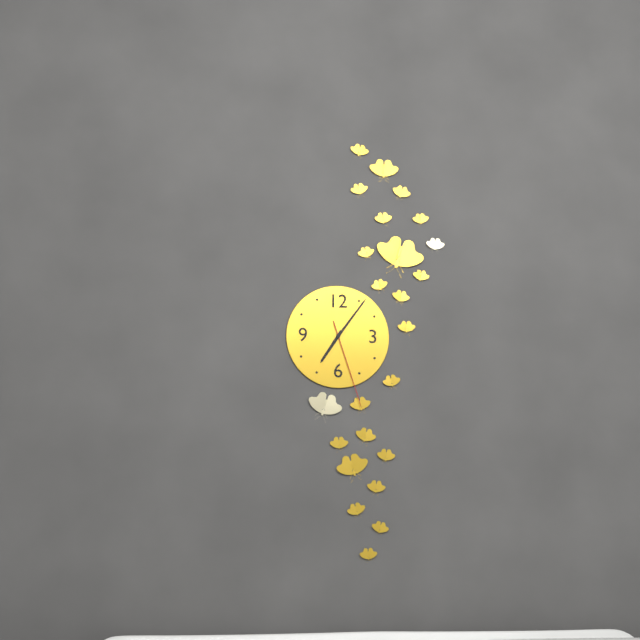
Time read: 7:06:27
